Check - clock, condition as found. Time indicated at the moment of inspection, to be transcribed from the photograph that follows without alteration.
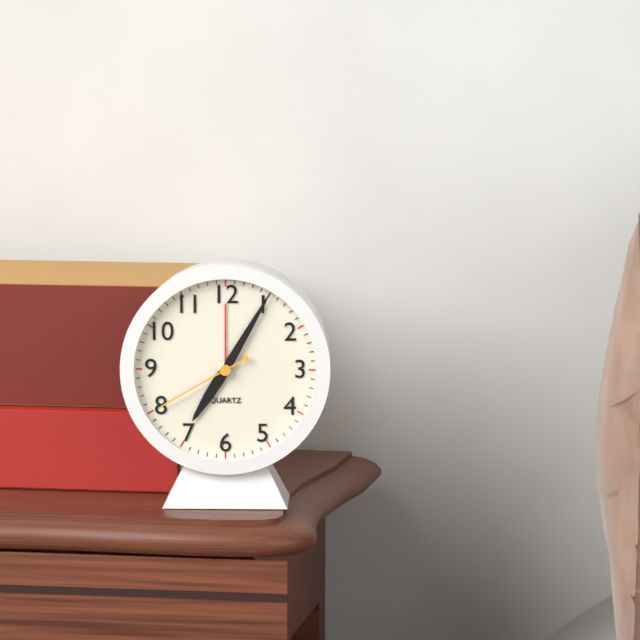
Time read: 7:05:40
